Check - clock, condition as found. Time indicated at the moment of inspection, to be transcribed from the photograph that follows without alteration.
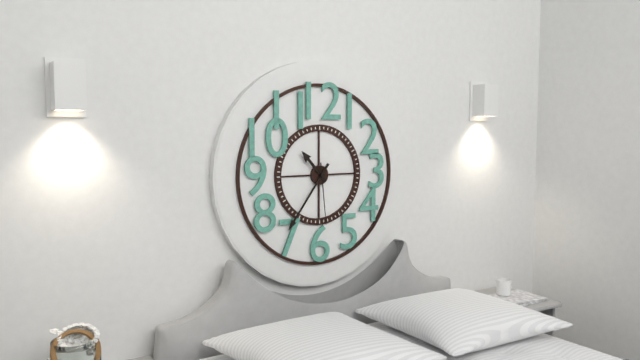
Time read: 10:36:29
